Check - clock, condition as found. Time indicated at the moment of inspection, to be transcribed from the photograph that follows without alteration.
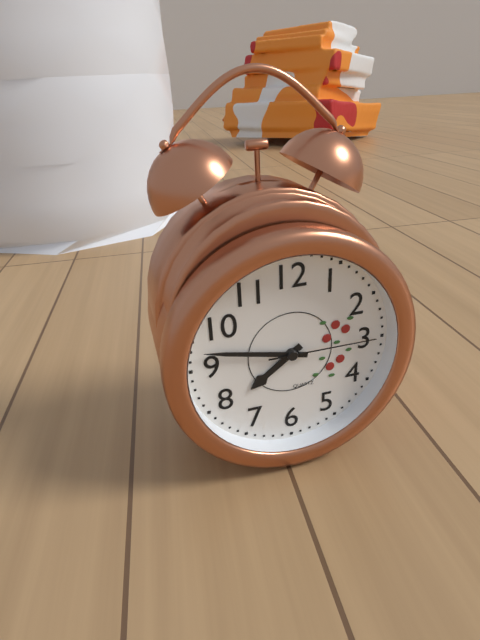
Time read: 7:47:15
